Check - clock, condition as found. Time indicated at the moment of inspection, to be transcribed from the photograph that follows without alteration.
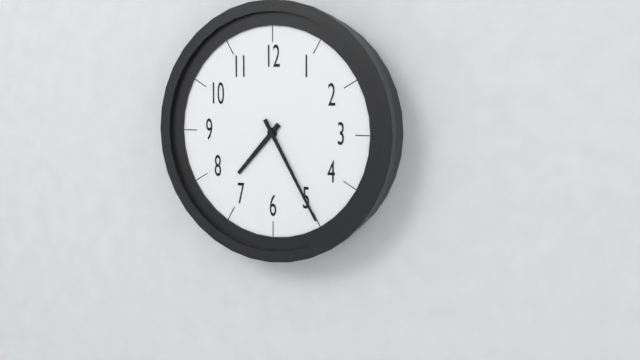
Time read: 7:25
